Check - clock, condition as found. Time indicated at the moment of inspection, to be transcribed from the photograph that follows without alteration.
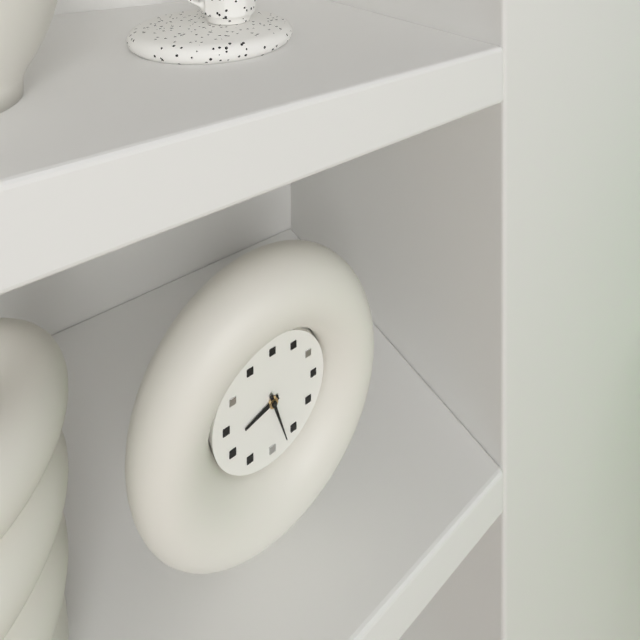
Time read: 8:27
